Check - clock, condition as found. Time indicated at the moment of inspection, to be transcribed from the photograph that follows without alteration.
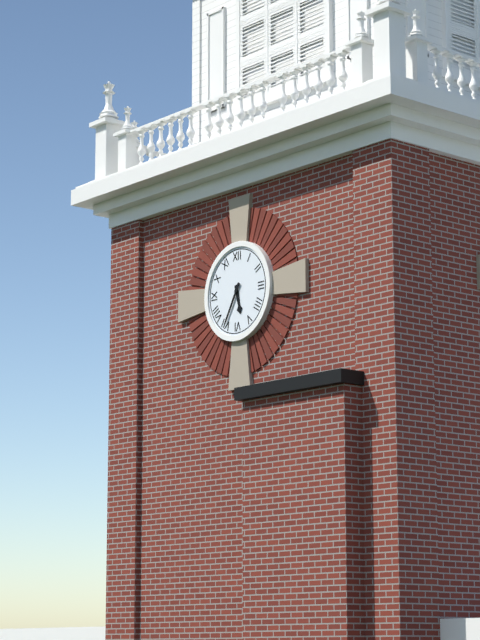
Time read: 5:35
